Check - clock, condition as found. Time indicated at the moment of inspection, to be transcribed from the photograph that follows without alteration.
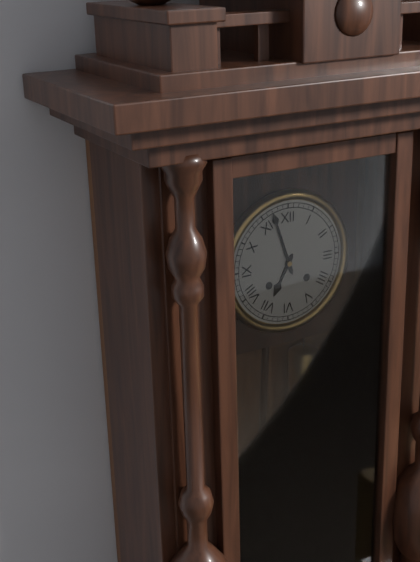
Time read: 6:57
